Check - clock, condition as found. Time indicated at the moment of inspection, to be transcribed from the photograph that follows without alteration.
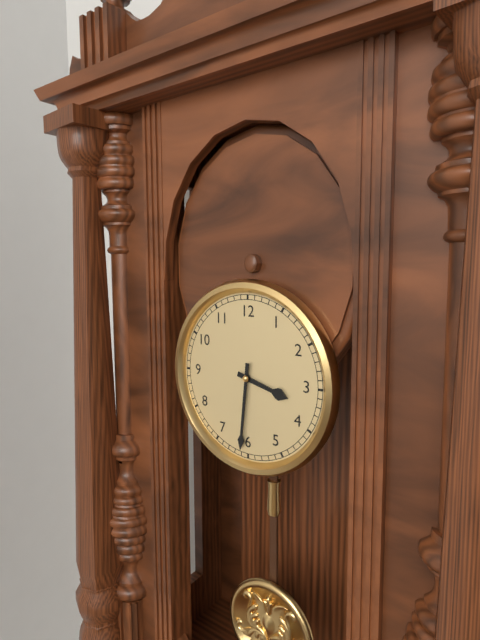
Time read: 3:31
